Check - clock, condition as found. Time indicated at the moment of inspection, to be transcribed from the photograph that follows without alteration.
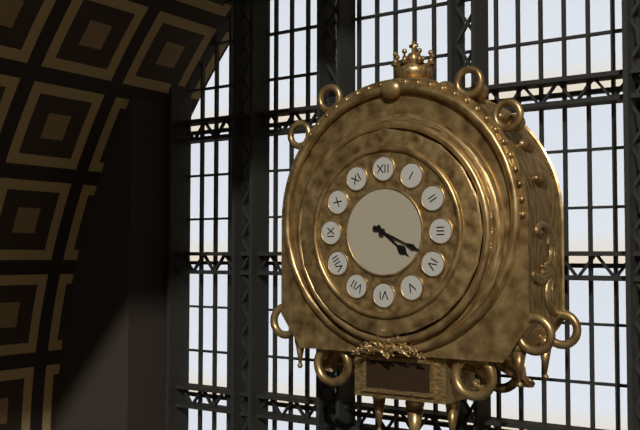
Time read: 4:19
